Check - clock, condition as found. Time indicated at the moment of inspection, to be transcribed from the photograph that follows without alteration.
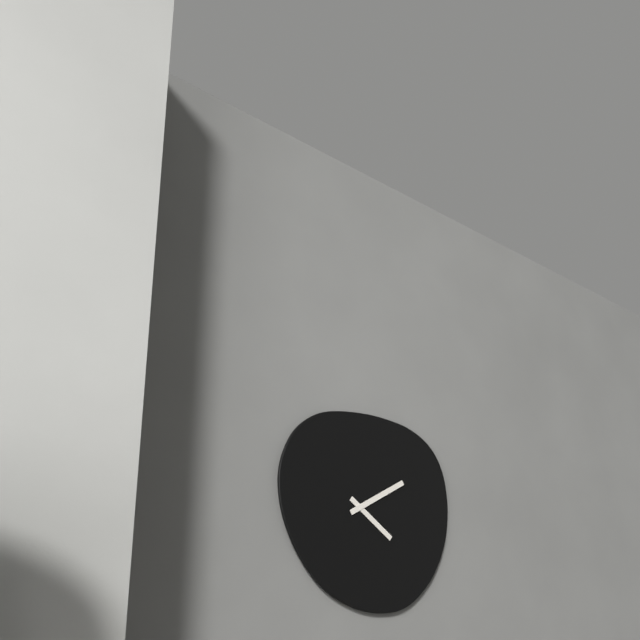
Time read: 4:10
